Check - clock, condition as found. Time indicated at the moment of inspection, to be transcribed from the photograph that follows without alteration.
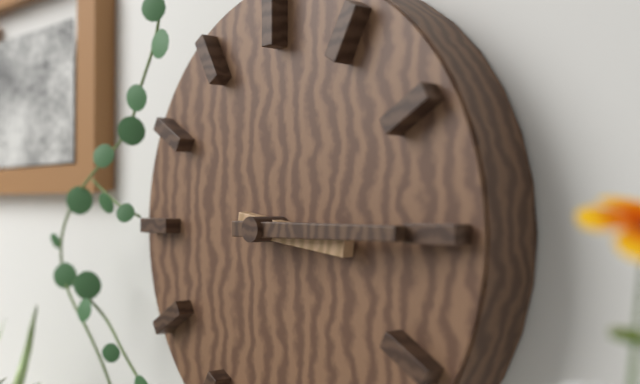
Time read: 3:15
